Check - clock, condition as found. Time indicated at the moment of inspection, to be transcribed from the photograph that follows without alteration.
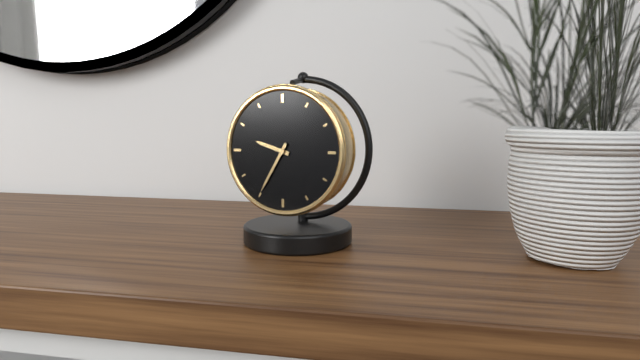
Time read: 9:35
